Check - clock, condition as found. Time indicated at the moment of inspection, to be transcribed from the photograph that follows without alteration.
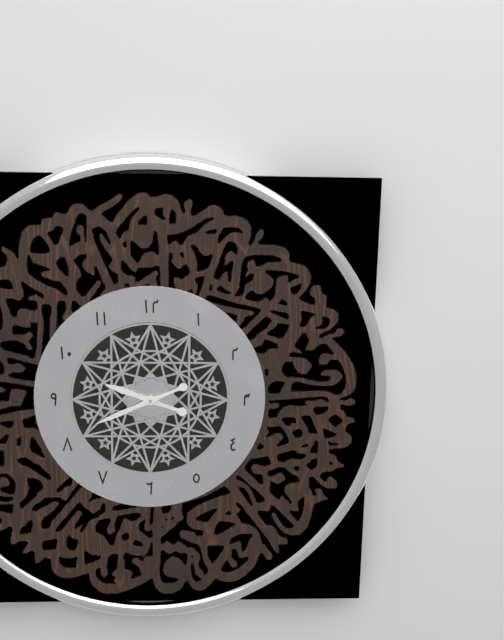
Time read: 9:41
